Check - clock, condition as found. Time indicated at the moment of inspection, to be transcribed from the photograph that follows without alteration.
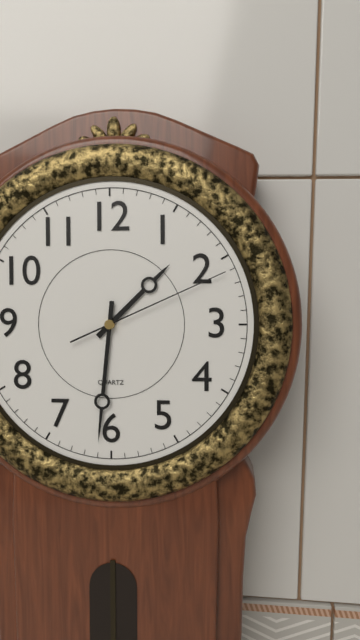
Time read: 1:31:11
